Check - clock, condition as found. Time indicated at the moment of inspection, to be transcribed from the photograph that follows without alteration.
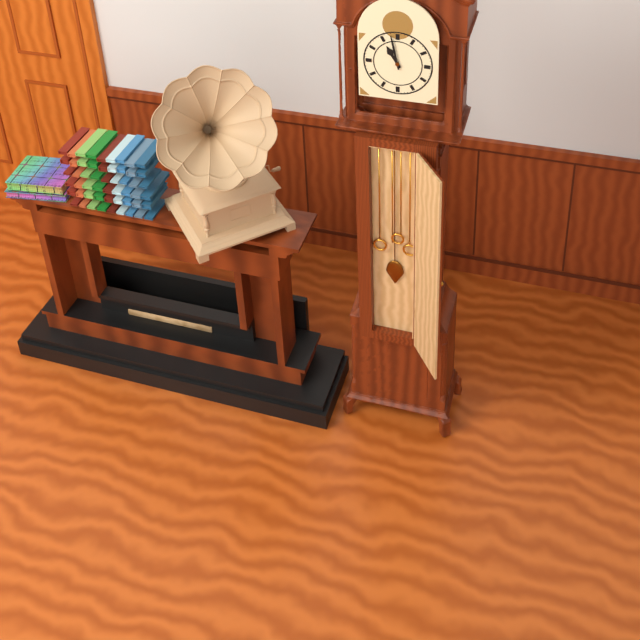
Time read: 10:58
